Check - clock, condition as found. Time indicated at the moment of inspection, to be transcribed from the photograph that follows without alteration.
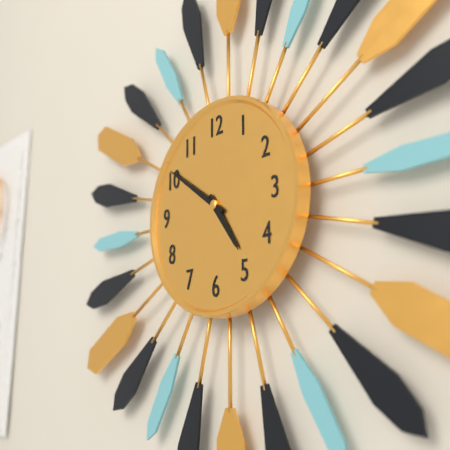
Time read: 4:51
